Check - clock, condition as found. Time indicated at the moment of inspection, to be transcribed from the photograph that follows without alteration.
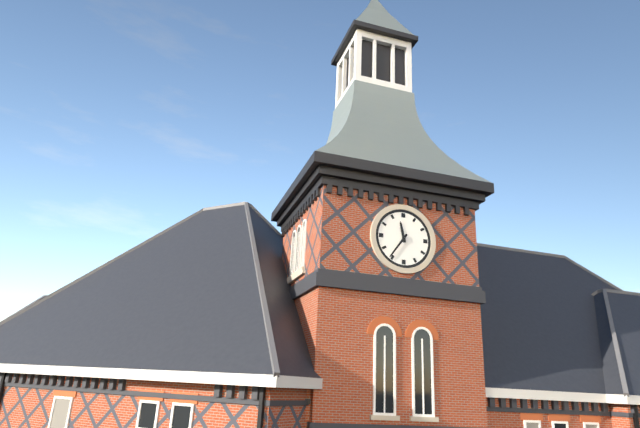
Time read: 11:36
